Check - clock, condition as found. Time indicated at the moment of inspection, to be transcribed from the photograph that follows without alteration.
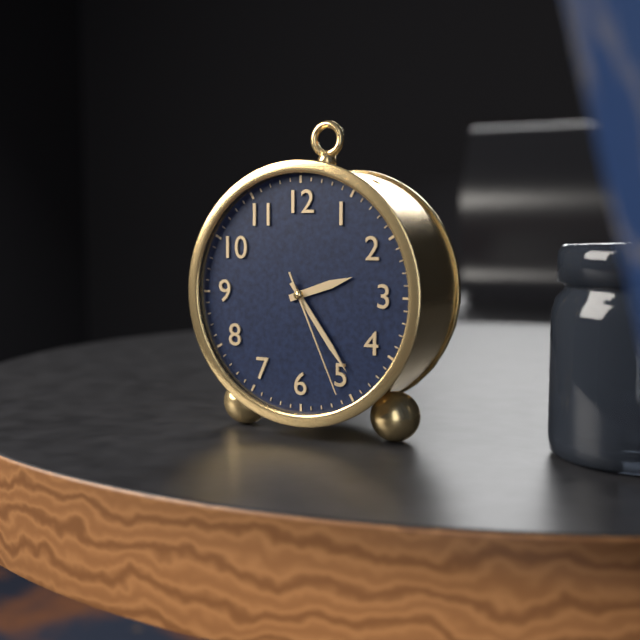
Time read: 2:24:26
